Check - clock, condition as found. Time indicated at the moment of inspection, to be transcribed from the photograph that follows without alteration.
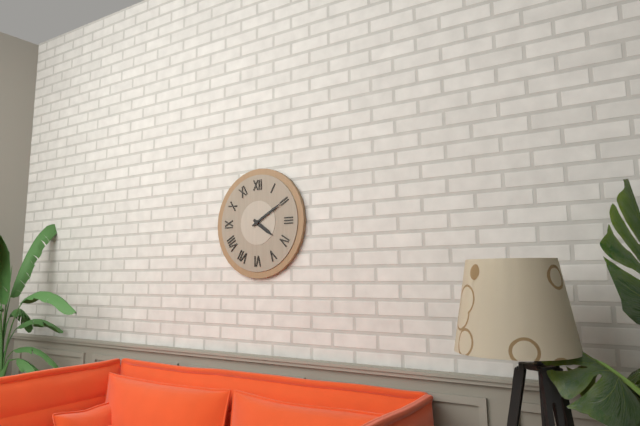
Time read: 4:10
